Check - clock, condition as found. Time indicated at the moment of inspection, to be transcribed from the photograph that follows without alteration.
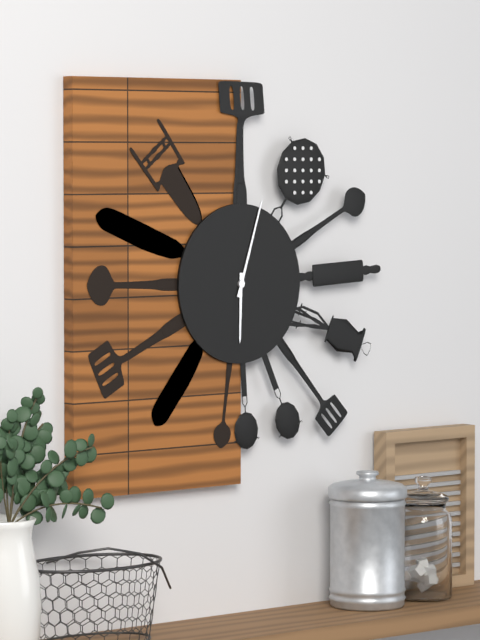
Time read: 6:03
